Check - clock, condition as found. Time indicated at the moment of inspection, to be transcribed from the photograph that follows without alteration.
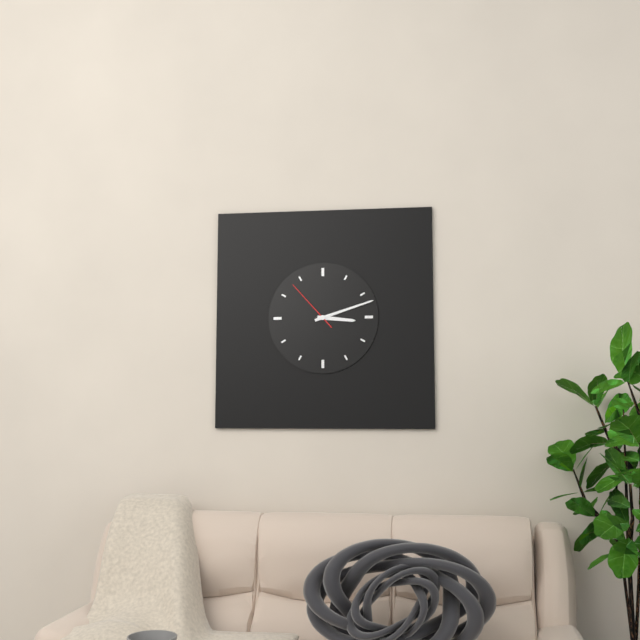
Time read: 3:12:53
